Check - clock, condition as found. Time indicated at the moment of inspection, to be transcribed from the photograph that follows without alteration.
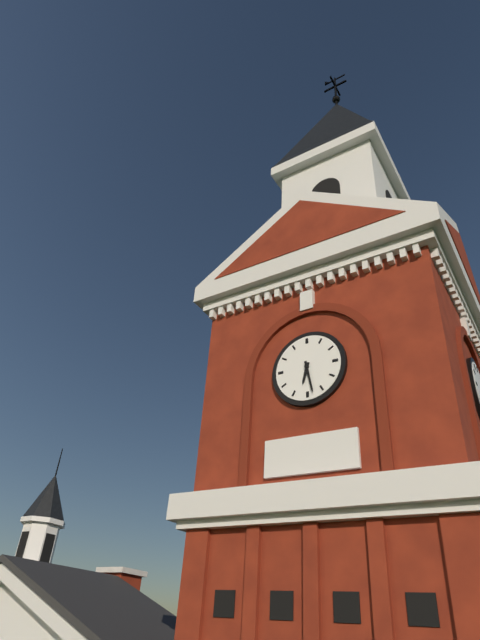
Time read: 6:28
